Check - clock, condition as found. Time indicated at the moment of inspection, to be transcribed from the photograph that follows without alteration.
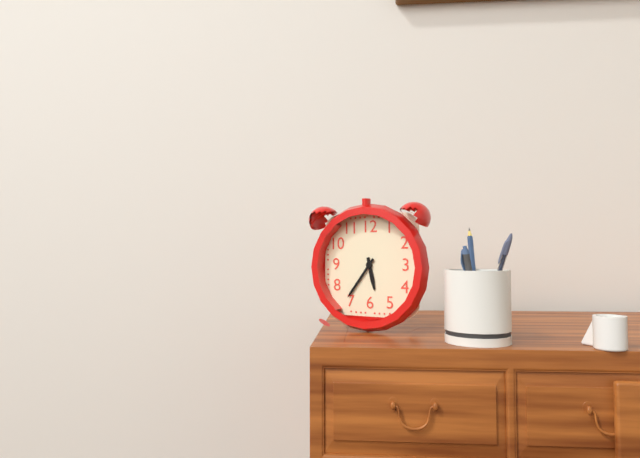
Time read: 5:36
